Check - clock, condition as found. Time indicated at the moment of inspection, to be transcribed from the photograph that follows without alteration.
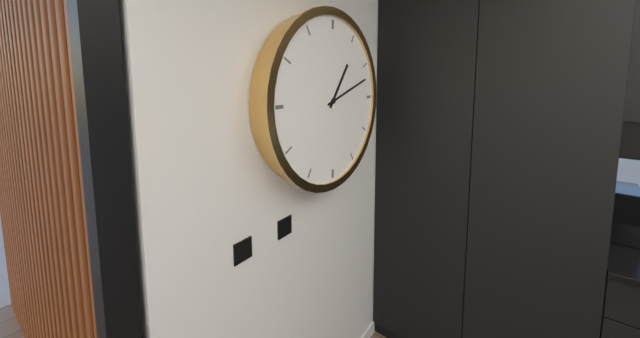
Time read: 1:12
